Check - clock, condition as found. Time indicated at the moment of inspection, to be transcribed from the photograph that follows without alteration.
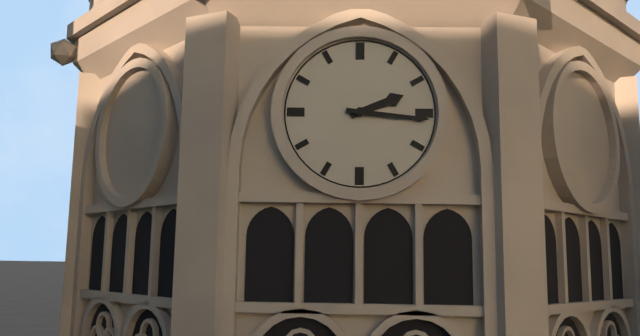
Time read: 2:16
